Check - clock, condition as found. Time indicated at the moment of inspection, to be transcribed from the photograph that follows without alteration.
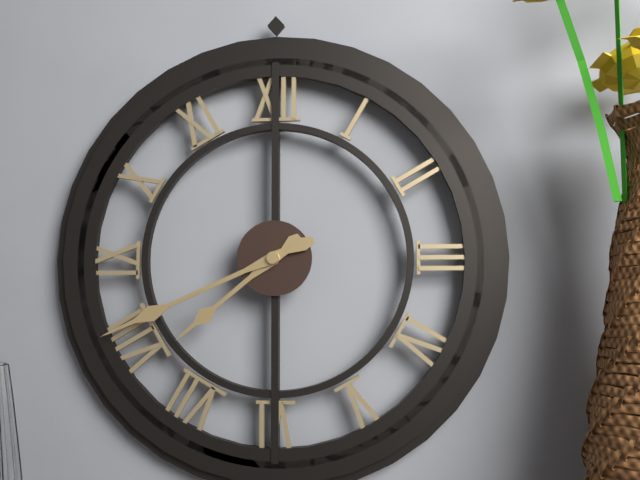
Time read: 7:41
